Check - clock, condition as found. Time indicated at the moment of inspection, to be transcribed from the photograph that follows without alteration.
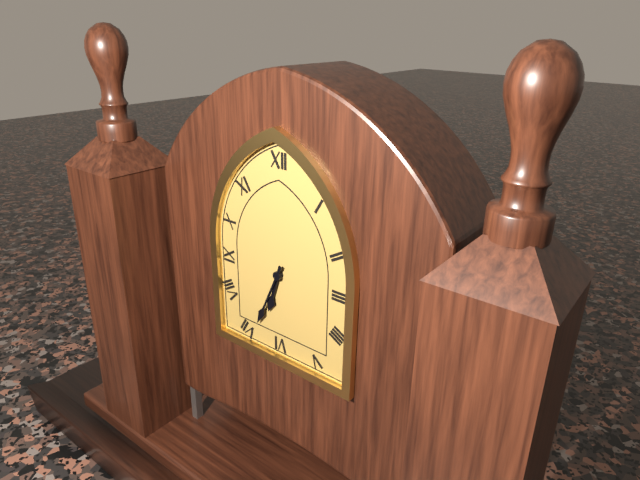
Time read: 6:34
